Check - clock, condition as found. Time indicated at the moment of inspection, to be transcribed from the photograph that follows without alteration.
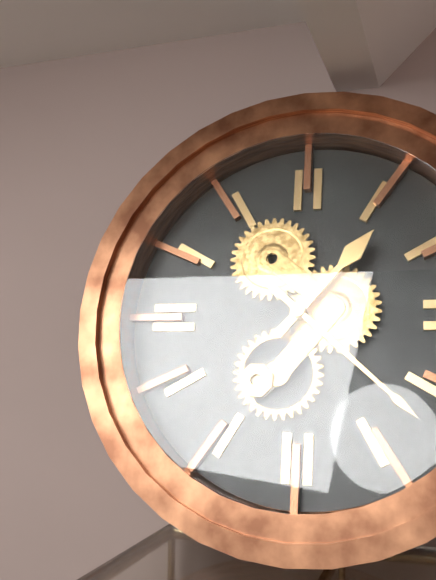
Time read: 1:22
